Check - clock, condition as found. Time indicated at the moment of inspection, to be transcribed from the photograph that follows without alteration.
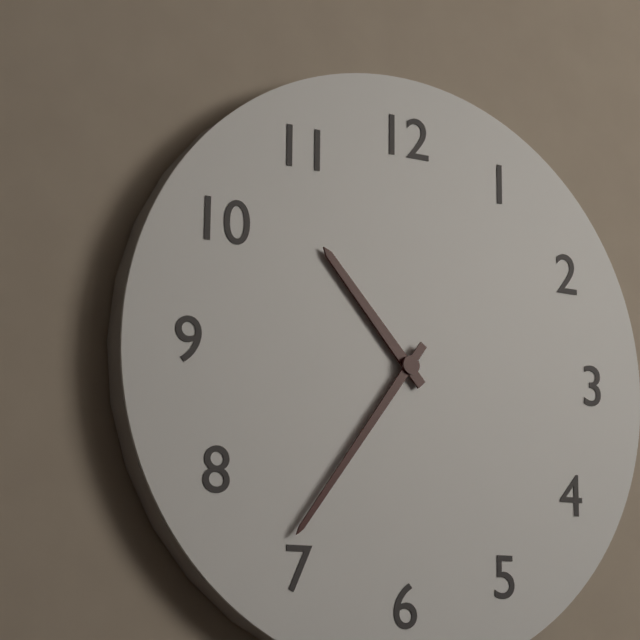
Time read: 10:36
